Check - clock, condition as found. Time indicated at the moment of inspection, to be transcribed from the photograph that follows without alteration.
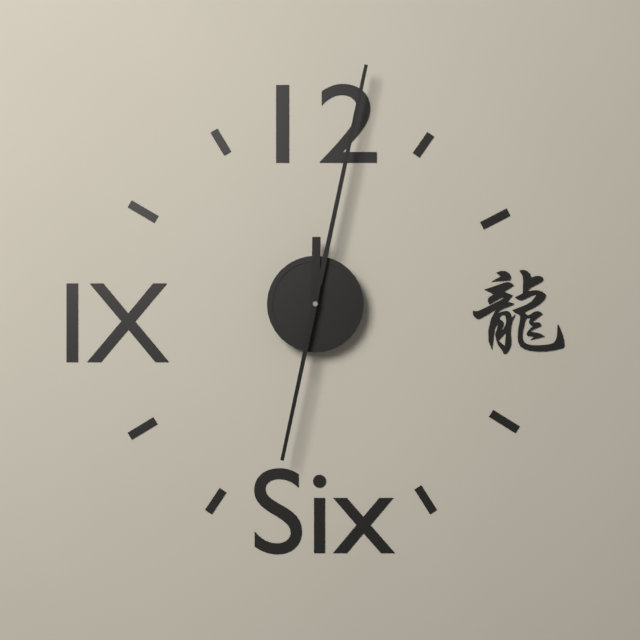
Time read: 12:02:32
